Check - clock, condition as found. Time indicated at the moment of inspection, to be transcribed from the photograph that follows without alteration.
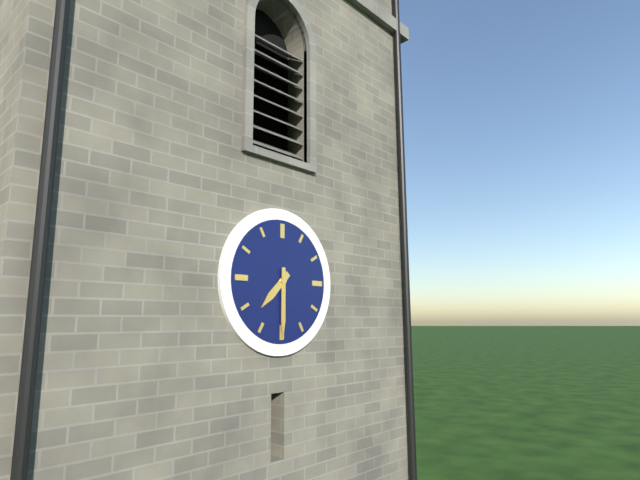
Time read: 7:30
